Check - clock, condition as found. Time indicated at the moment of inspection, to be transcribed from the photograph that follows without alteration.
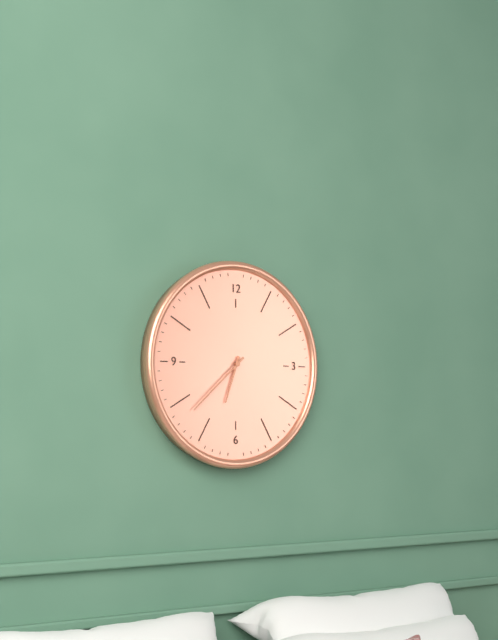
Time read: 6:38
